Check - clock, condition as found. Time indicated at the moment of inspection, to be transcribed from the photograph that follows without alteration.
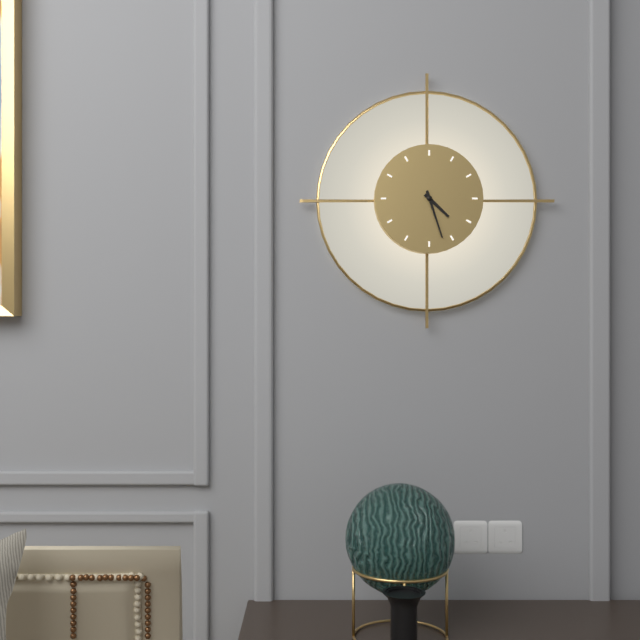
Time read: 4:27
